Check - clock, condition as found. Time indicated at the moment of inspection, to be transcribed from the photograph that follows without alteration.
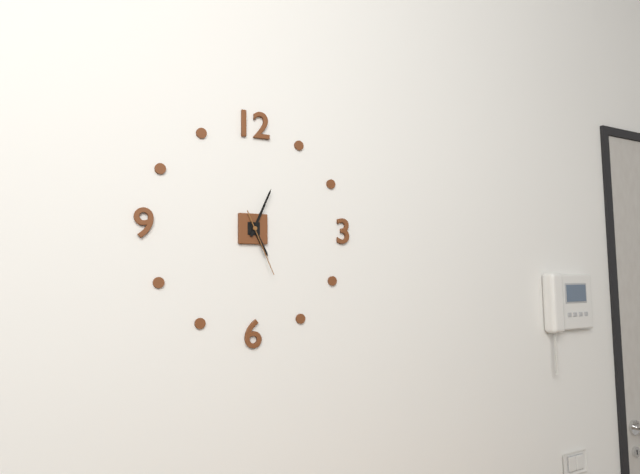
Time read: 5:04:26
